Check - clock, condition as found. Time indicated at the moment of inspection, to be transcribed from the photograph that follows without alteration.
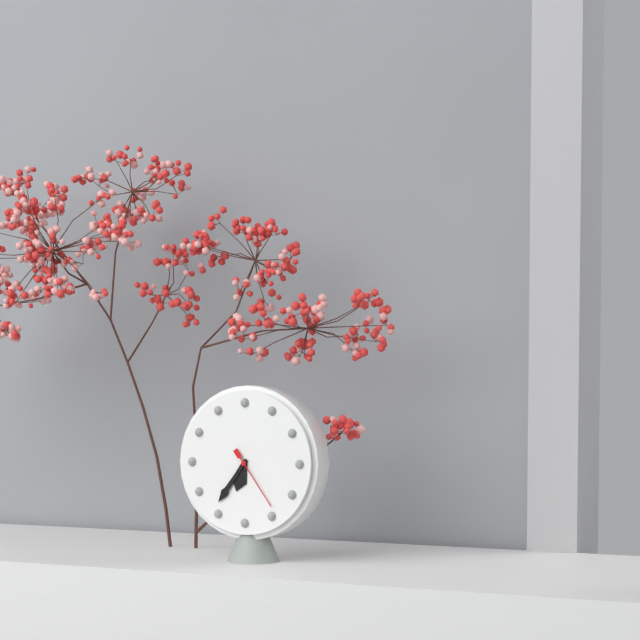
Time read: 6:36:24
